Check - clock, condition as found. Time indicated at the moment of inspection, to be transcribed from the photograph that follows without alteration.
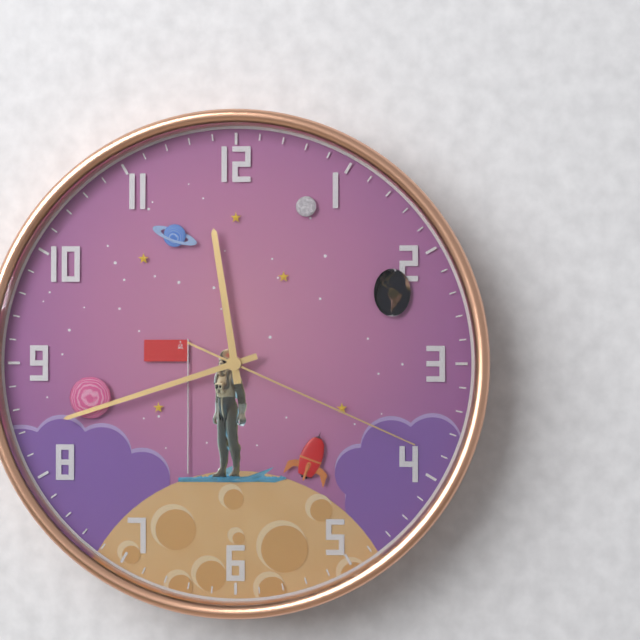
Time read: 11:42:19
